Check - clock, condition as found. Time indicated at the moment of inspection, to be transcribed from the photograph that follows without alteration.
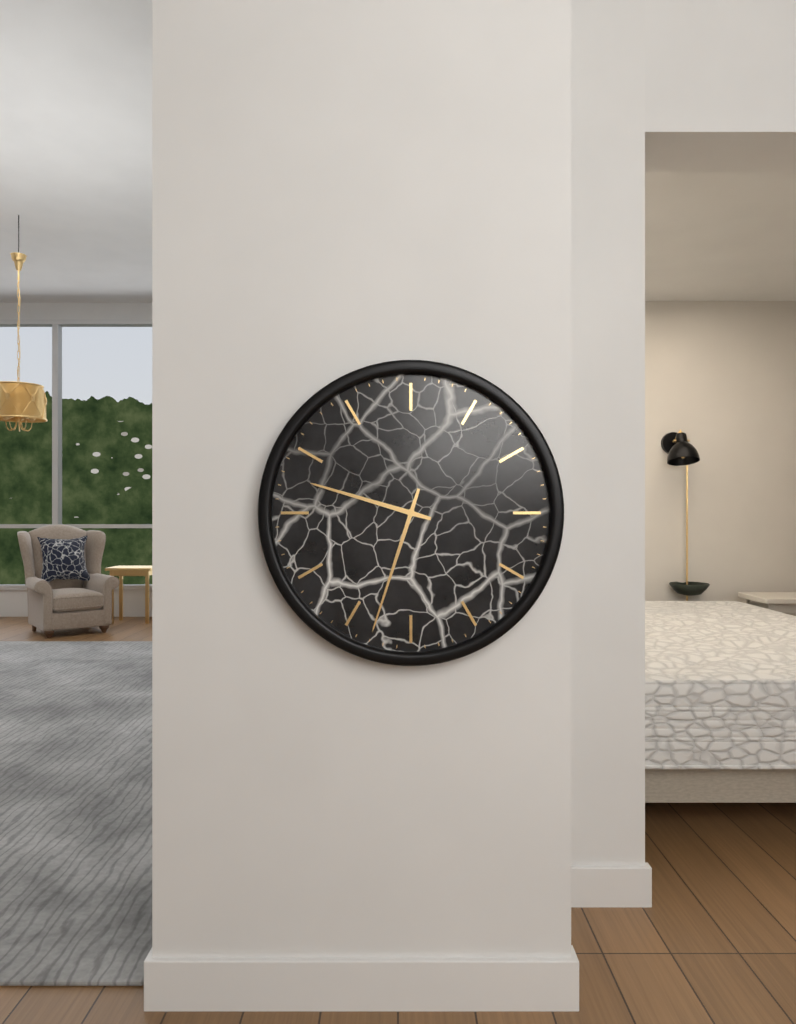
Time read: 9:33
